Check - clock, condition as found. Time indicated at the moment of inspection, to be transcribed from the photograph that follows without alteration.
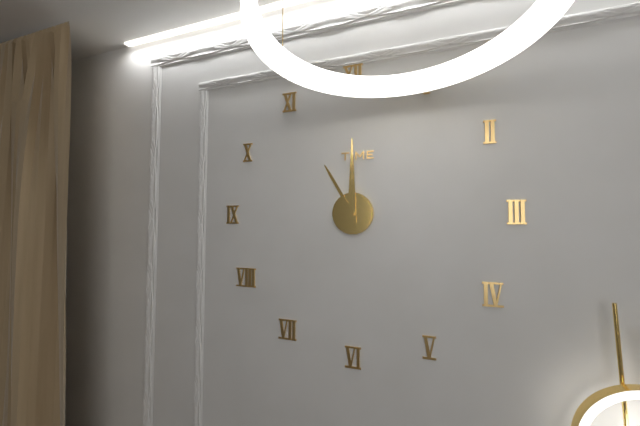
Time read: 11:00
